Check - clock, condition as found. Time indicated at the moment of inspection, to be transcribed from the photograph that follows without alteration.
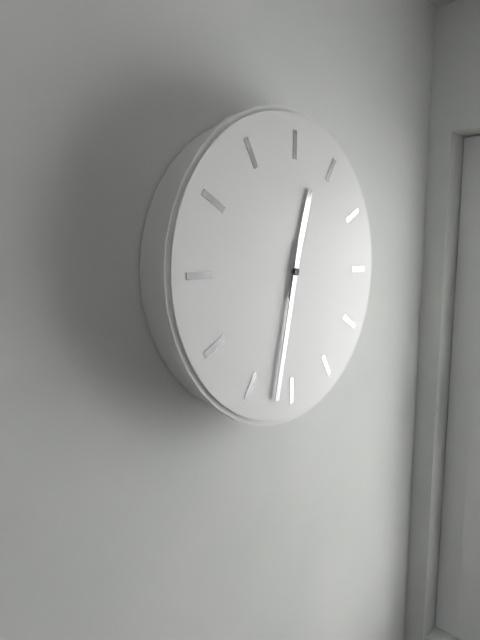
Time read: 12:32
